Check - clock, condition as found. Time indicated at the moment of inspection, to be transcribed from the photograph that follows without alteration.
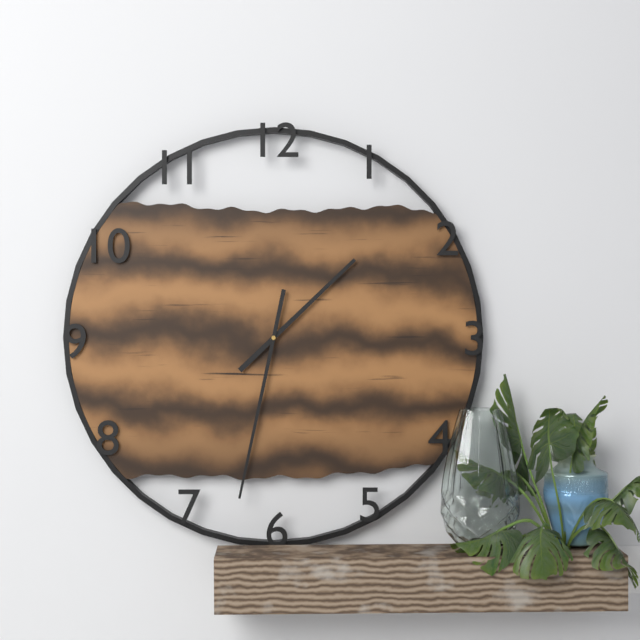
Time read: 1:32
